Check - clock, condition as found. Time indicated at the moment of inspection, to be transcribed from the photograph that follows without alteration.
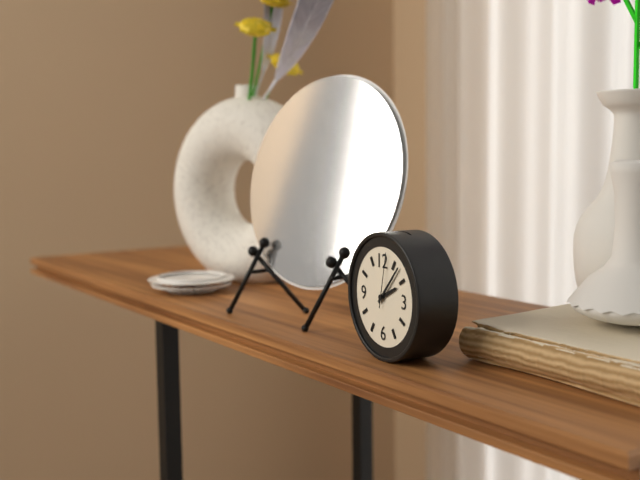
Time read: 2:07:02
